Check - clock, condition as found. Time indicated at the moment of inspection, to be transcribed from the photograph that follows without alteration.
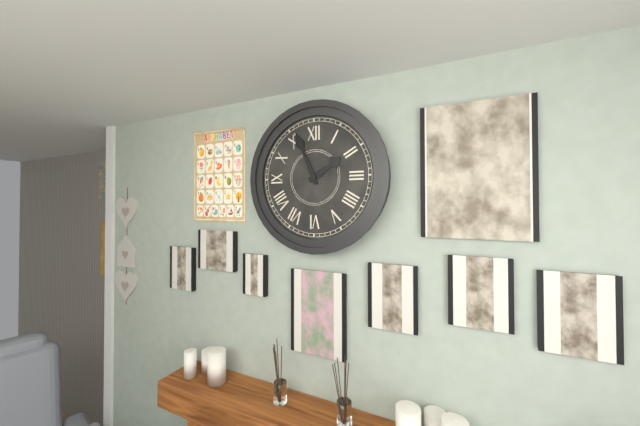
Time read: 1:56
